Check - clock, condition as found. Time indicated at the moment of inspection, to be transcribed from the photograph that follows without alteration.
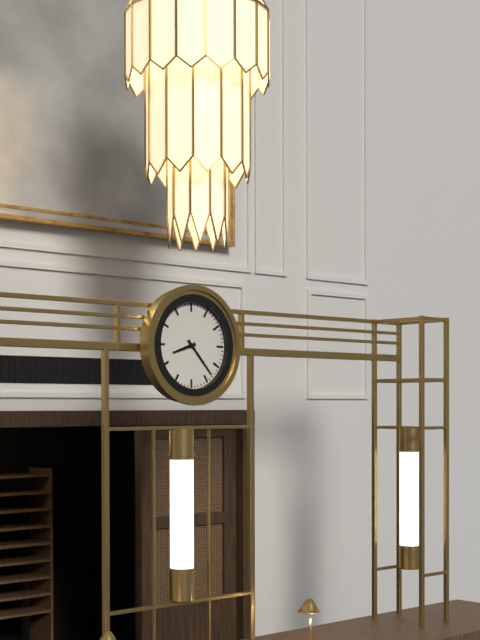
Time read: 8:23
